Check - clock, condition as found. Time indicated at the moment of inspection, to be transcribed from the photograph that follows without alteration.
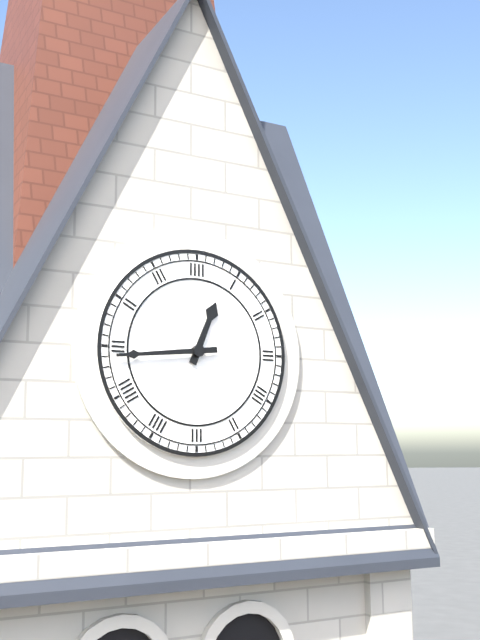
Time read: 12:44
